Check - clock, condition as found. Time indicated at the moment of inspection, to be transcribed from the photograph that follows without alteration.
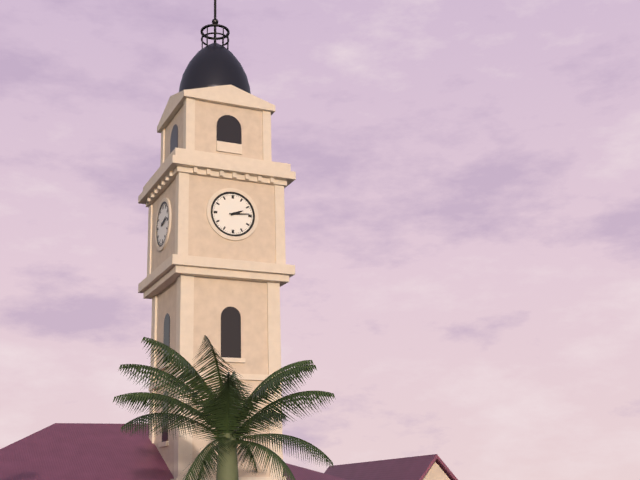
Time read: 2:14
